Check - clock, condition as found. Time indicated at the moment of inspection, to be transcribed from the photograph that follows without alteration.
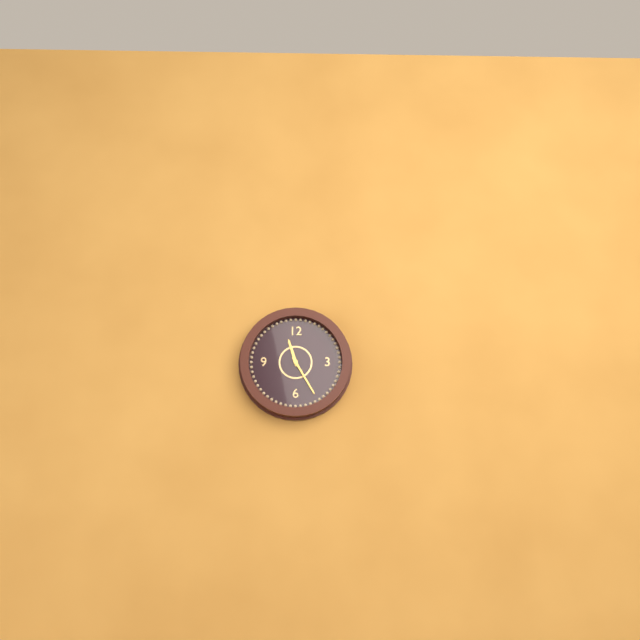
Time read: 11:25
